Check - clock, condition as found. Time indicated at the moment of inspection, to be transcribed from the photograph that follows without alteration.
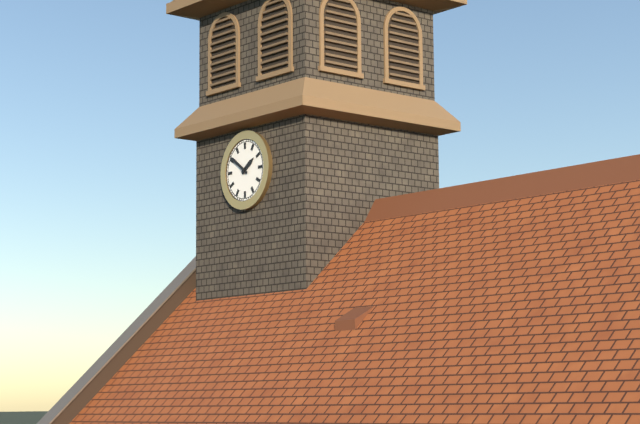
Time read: 1:51
